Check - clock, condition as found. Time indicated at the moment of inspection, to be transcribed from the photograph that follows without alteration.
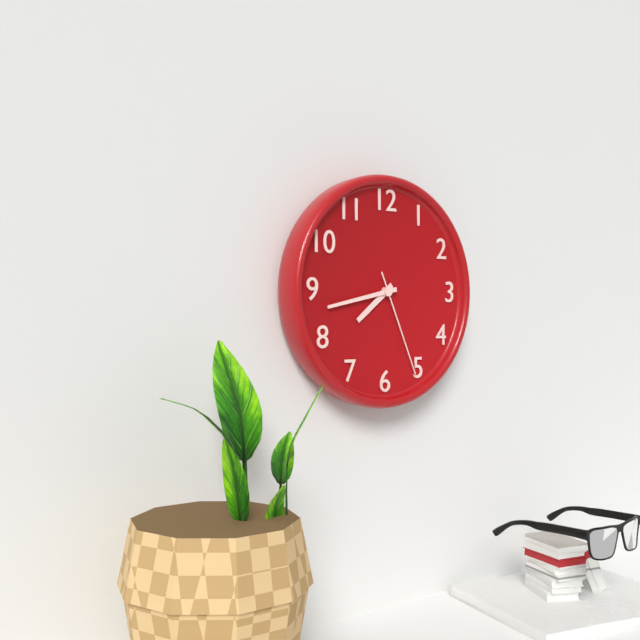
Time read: 7:43:26
